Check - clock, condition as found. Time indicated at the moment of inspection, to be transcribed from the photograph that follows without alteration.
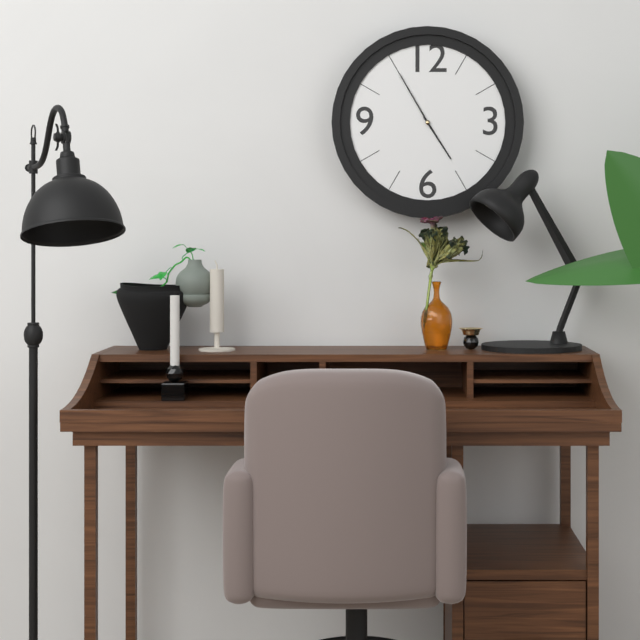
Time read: 4:55
